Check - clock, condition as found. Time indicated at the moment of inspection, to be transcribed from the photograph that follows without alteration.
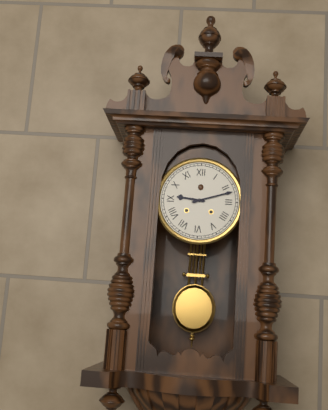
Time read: 9:12
